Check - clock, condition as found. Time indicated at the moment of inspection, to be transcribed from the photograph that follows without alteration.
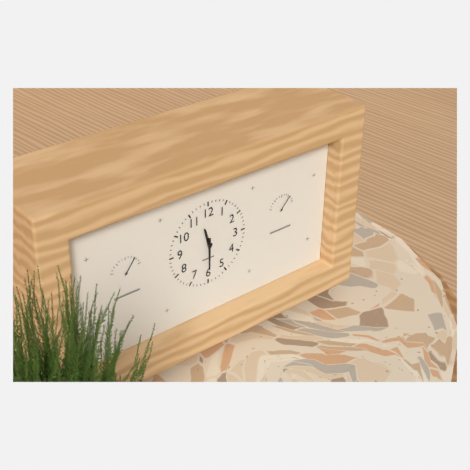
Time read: 11:30
